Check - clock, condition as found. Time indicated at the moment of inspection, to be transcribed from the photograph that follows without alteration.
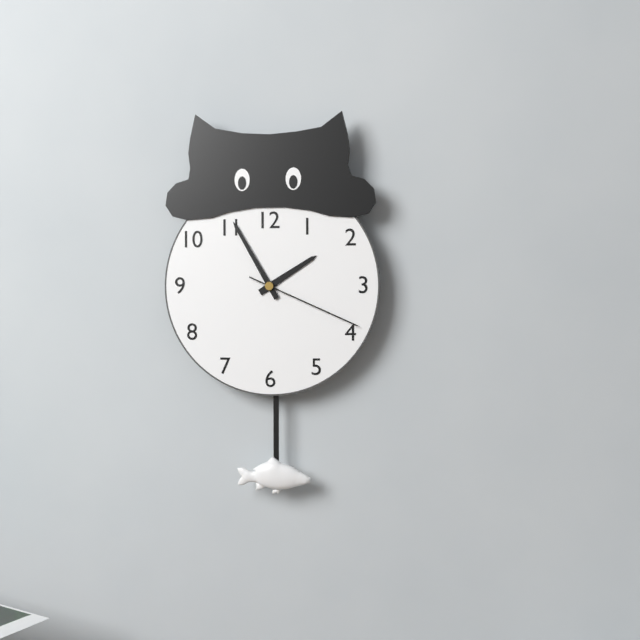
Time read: 1:55:19
